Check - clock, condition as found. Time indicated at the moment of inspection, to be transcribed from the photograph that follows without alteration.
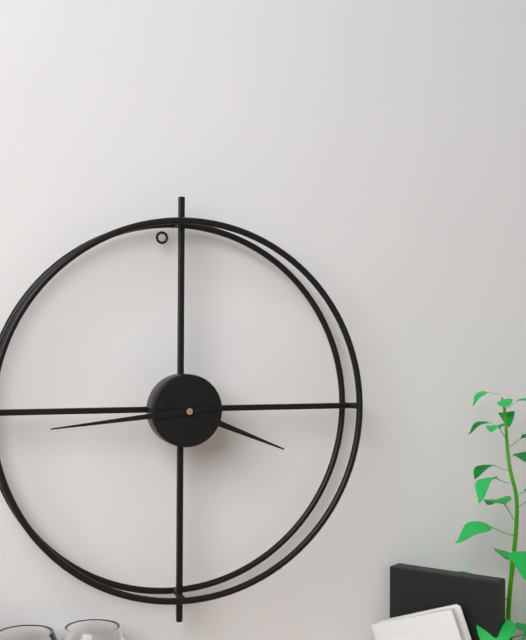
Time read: 3:44
